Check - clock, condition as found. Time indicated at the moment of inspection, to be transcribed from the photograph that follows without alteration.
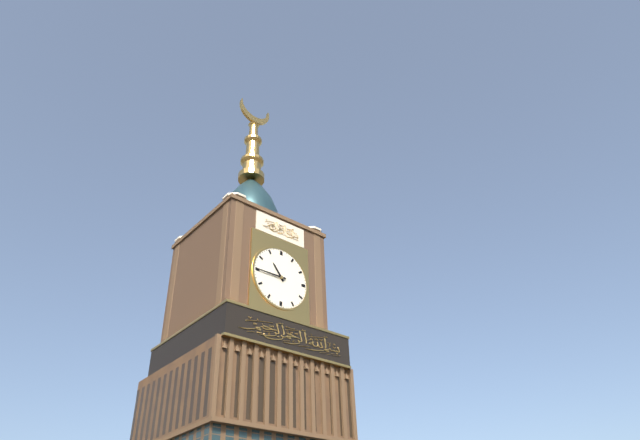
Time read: 10:45
